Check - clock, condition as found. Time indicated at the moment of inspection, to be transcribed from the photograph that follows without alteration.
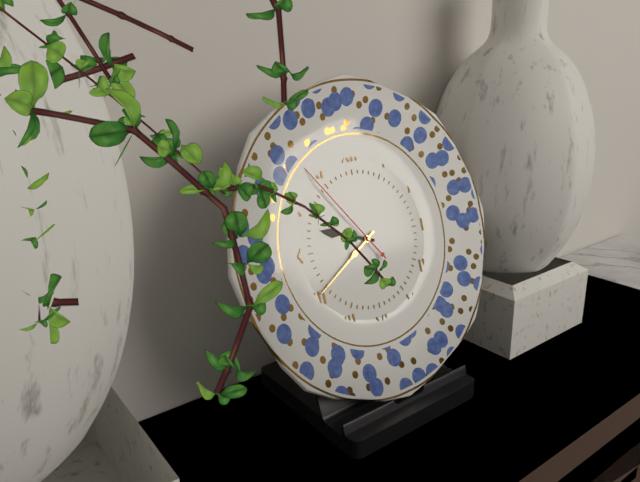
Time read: 9:40:54
